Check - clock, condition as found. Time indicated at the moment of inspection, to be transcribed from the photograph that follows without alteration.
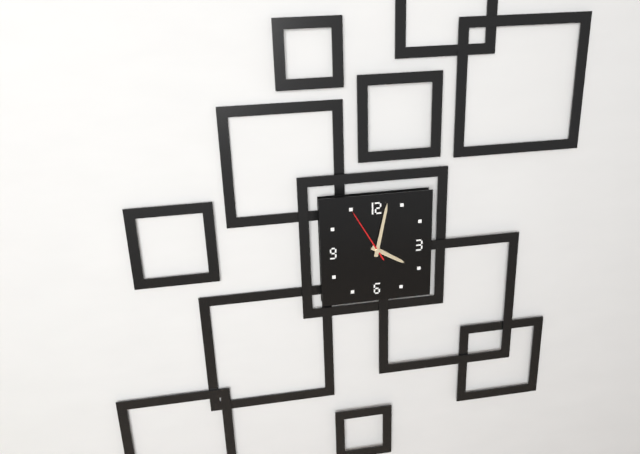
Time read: 4:02:55
